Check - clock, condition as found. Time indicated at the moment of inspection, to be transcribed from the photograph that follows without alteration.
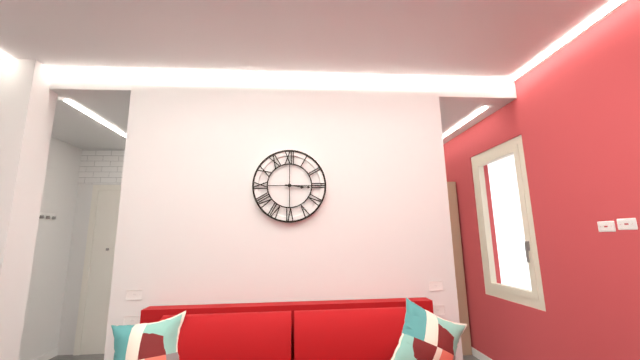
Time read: 3:16
